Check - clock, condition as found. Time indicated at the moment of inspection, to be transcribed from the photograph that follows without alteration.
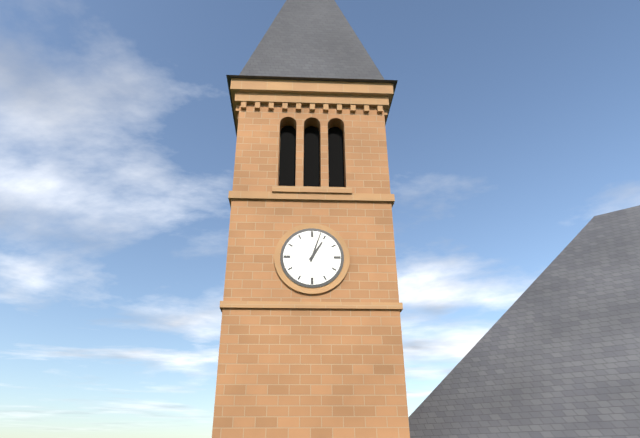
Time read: 1:03
